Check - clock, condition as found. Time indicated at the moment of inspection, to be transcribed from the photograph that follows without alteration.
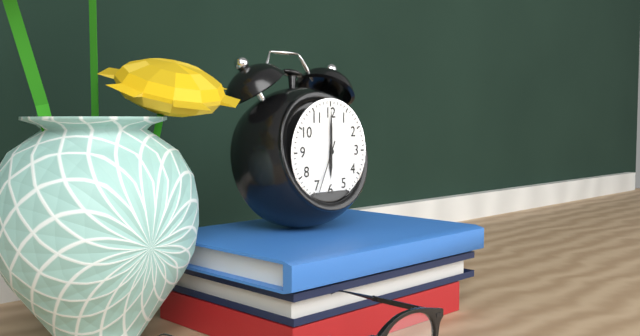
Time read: 6:00:34
